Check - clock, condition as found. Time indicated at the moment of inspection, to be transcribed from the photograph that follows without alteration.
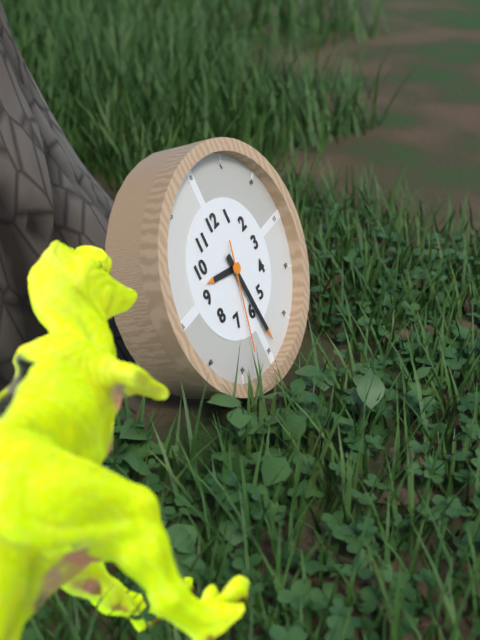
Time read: 9:29:33
